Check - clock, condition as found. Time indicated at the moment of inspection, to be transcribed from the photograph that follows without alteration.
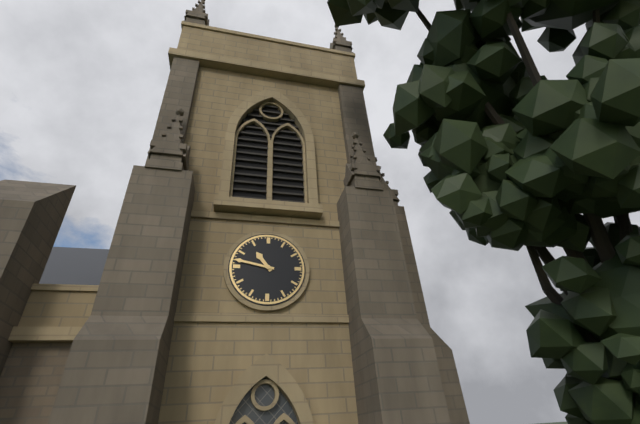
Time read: 10:47
